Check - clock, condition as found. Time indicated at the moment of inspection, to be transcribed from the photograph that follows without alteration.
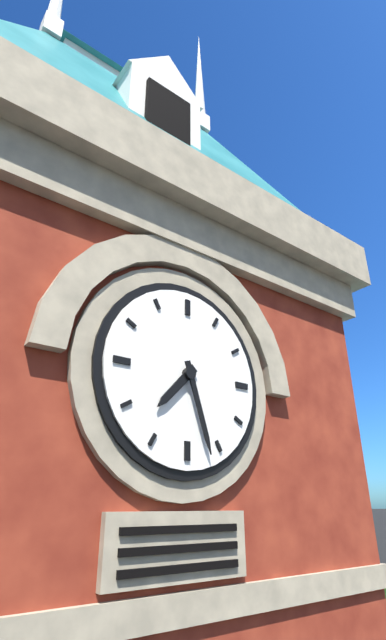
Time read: 7:27
